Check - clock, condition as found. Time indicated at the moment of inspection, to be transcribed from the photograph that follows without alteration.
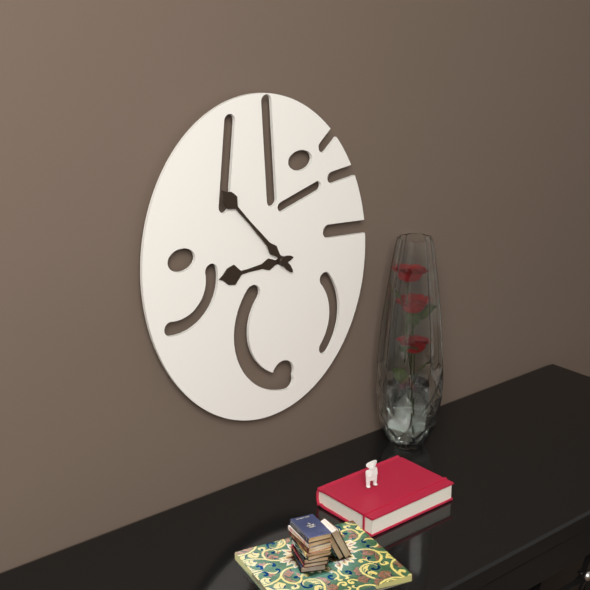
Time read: 8:53
